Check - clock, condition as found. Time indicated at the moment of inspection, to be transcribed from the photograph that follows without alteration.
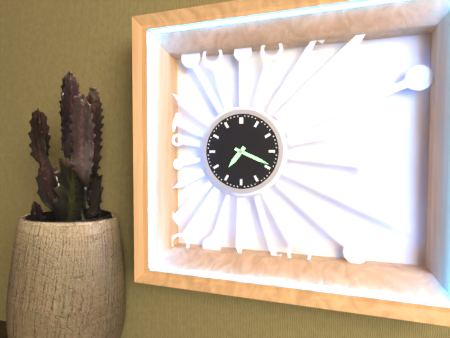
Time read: 7:19
